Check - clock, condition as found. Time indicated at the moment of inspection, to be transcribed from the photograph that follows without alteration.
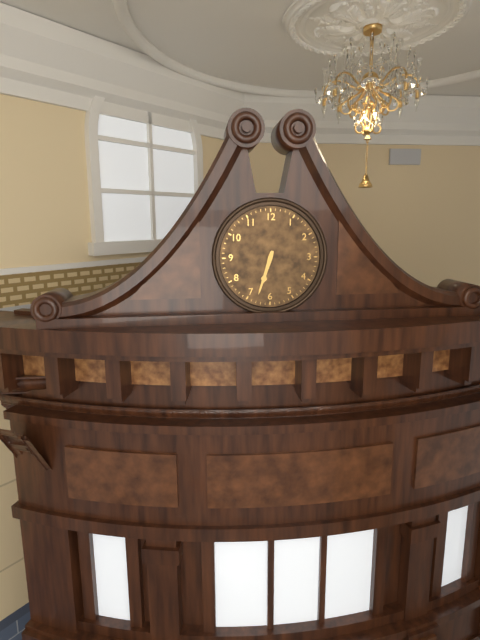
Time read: 6:33
